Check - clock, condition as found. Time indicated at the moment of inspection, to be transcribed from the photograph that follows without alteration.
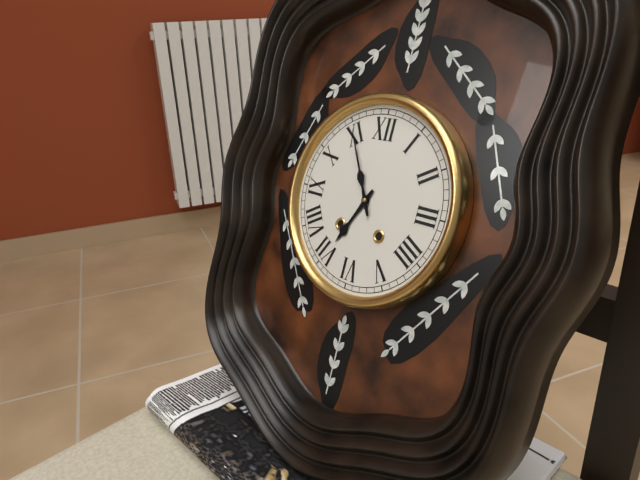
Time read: 6:55
